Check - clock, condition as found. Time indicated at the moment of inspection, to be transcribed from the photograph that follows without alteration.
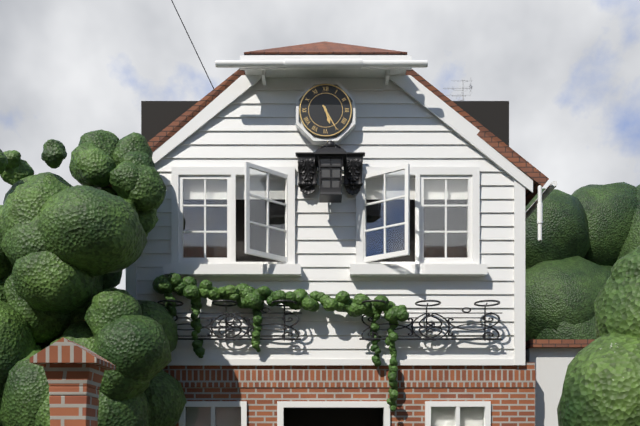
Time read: 5:25
